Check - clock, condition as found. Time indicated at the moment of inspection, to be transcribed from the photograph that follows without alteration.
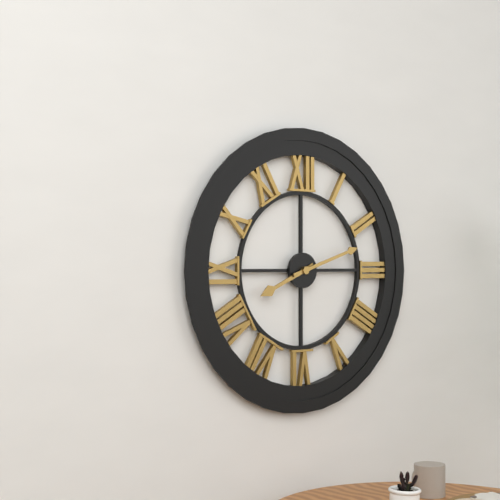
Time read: 8:12
